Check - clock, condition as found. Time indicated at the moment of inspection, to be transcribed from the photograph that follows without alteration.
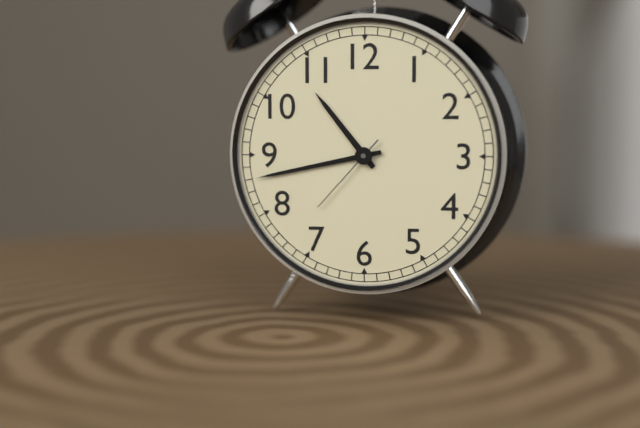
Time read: 10:43:37
